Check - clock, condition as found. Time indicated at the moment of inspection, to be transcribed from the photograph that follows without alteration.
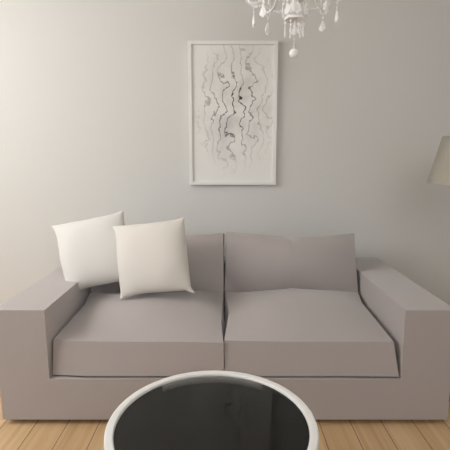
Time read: 1:45
